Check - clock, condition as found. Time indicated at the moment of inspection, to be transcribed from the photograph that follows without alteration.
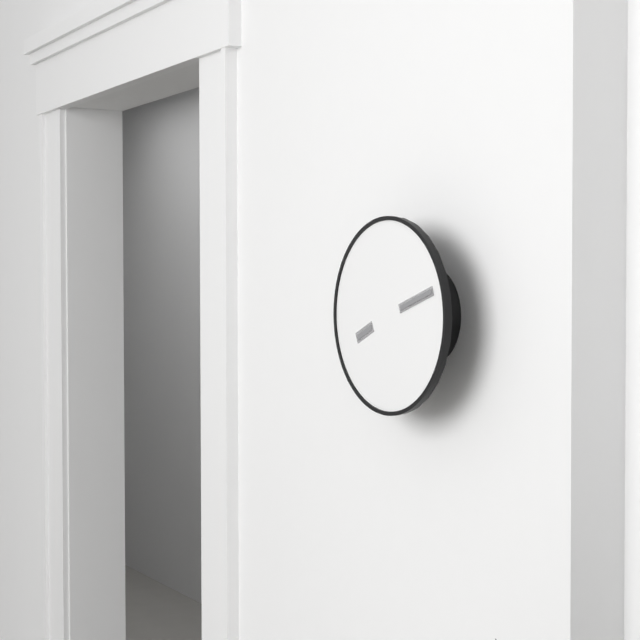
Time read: 8:12
